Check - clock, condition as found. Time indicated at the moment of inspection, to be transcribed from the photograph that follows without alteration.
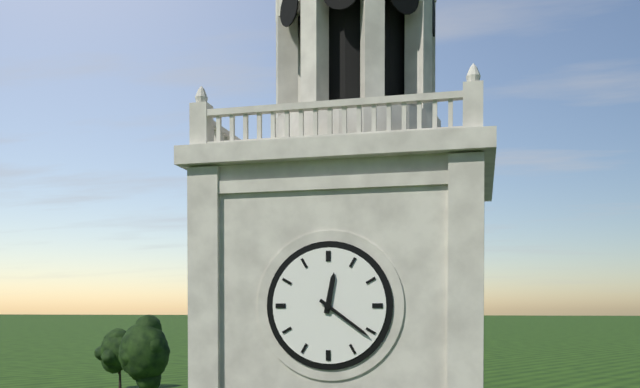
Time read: 12:21
